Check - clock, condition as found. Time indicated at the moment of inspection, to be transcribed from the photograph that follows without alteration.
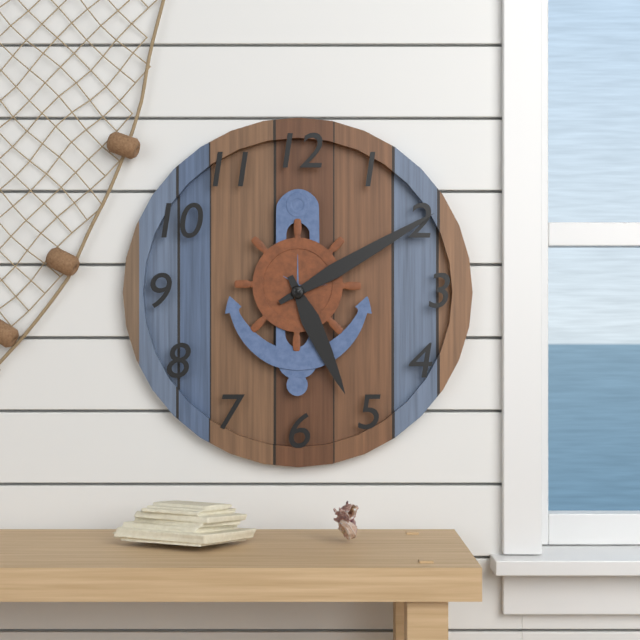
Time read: 5:10
